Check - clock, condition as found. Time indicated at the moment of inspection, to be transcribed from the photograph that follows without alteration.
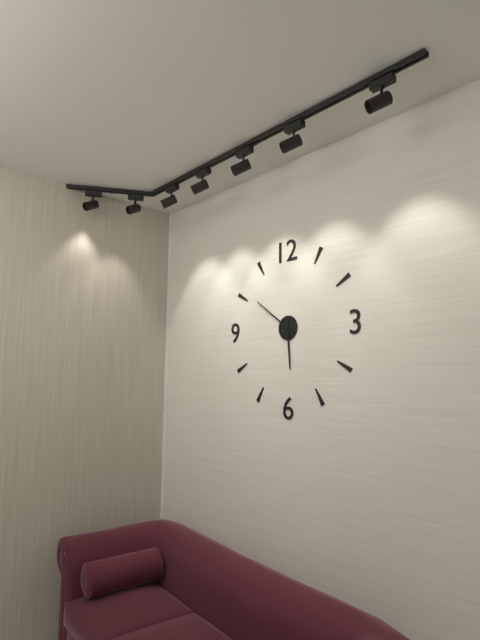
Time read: 5:51
